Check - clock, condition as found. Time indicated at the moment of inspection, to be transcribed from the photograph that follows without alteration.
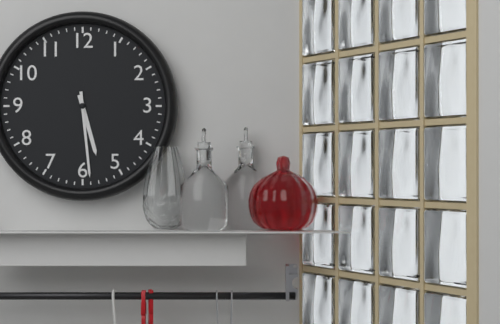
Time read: 5:29
